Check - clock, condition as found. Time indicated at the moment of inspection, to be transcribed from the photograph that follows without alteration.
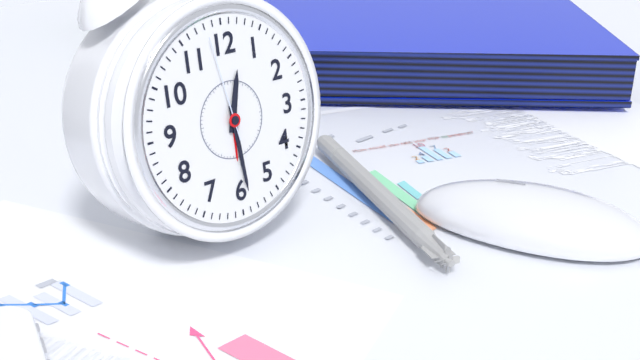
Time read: 12:29:58
